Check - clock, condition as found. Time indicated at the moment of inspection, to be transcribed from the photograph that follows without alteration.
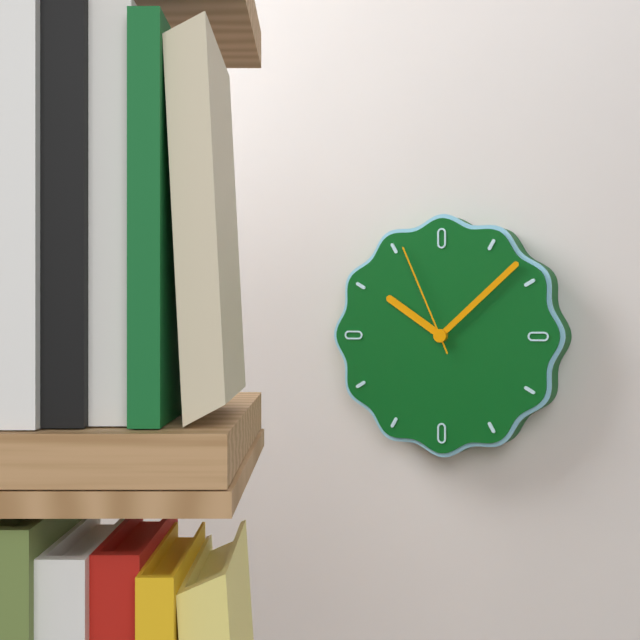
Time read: 10:08:56
